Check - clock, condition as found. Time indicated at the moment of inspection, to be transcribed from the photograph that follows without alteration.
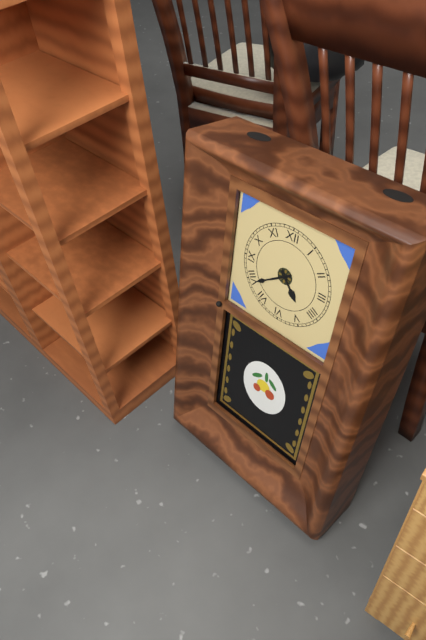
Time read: 4:39
